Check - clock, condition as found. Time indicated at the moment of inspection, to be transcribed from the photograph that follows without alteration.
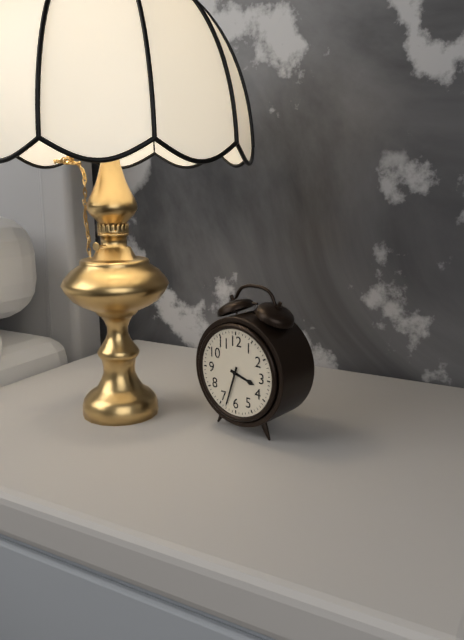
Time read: 3:33
